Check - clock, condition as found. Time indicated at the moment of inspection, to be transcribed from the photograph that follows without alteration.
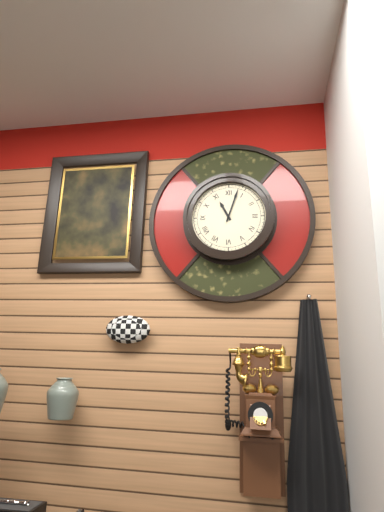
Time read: 11:03
